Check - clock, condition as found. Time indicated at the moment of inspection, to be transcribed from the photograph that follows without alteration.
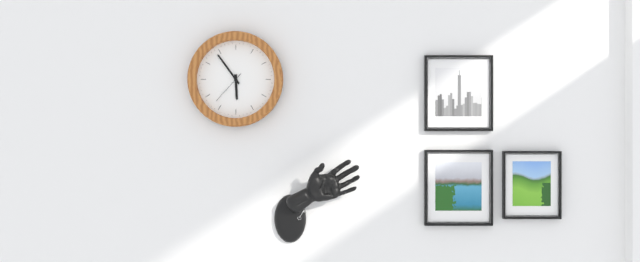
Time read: 5:54
